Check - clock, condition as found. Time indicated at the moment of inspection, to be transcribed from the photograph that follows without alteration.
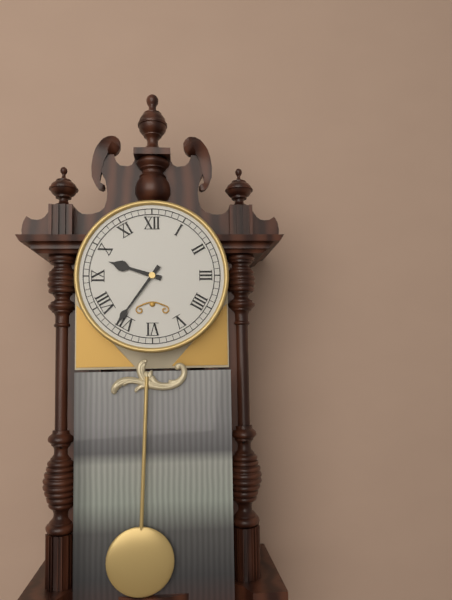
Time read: 9:36
